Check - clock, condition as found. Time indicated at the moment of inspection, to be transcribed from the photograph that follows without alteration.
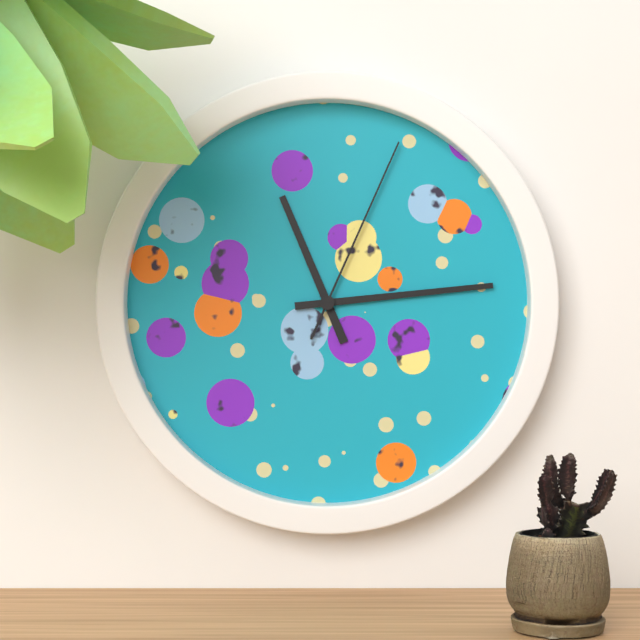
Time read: 11:14:04
